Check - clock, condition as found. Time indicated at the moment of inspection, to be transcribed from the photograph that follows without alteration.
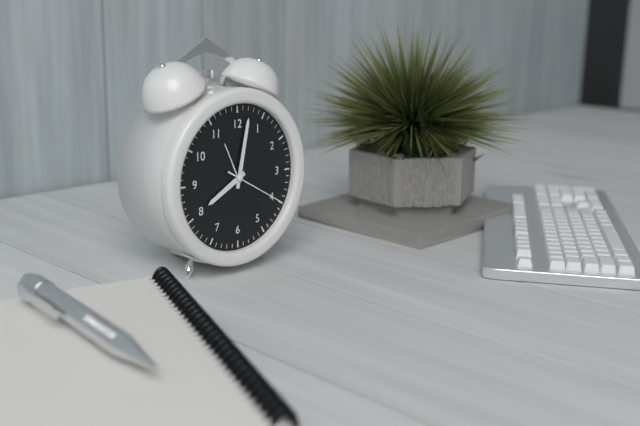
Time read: 8:02:20
